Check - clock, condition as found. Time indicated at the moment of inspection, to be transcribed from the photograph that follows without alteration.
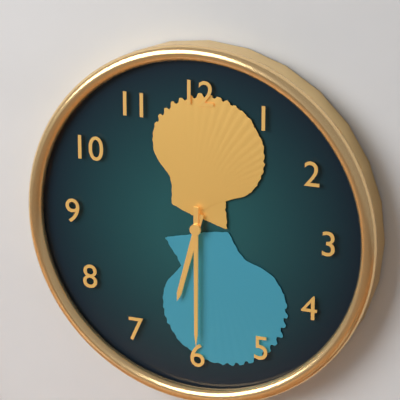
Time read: 6:30
